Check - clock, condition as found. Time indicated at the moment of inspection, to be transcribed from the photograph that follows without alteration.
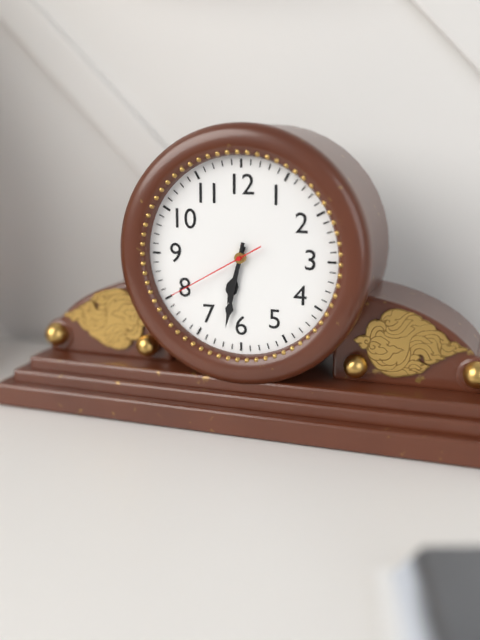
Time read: 6:32:40
